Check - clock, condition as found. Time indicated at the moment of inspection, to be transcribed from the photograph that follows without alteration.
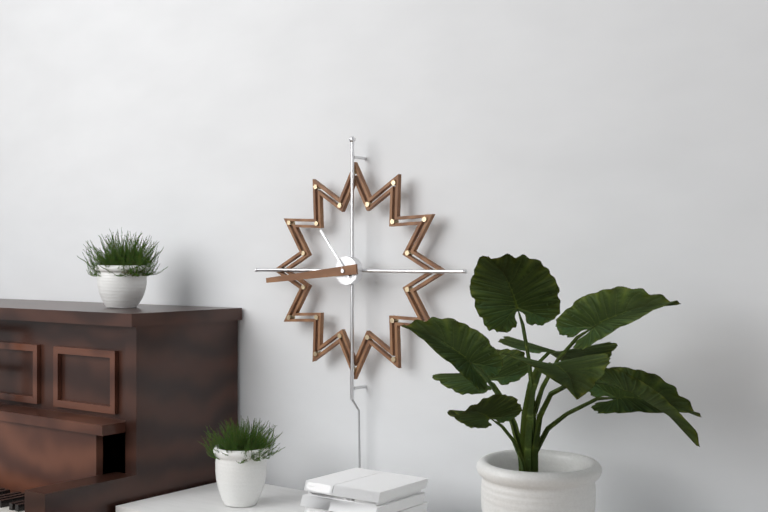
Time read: 10:44
